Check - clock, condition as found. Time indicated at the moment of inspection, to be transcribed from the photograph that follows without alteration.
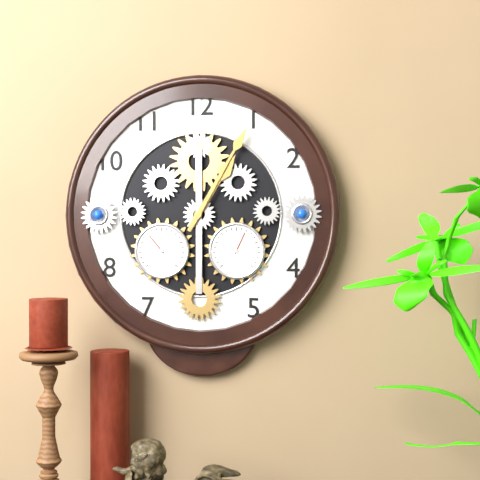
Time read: 1:05
